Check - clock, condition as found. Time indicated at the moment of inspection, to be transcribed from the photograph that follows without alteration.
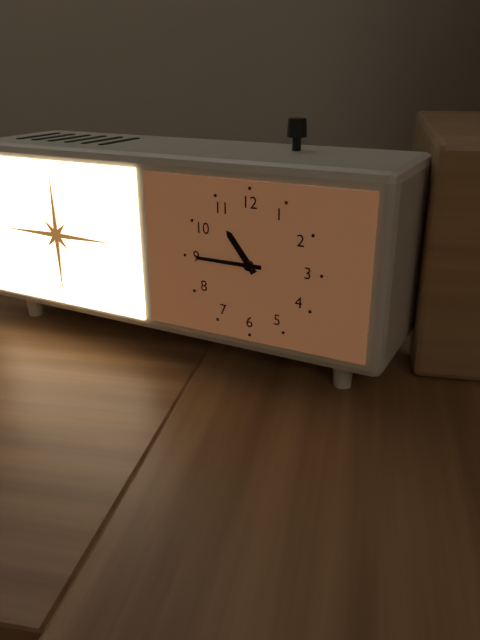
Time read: 10:45
